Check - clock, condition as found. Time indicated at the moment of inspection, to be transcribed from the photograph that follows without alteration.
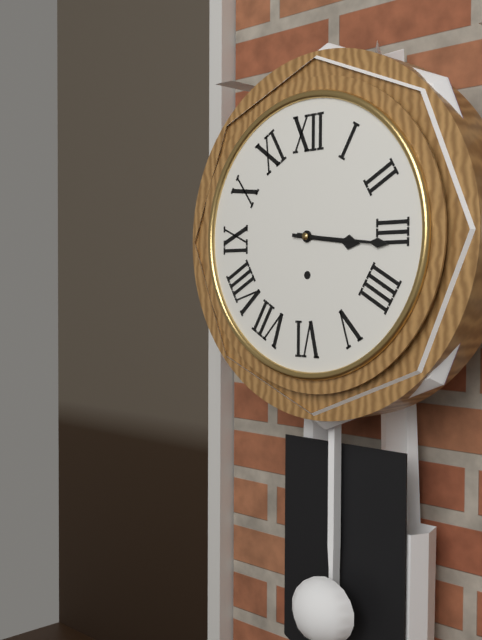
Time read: 3:16
